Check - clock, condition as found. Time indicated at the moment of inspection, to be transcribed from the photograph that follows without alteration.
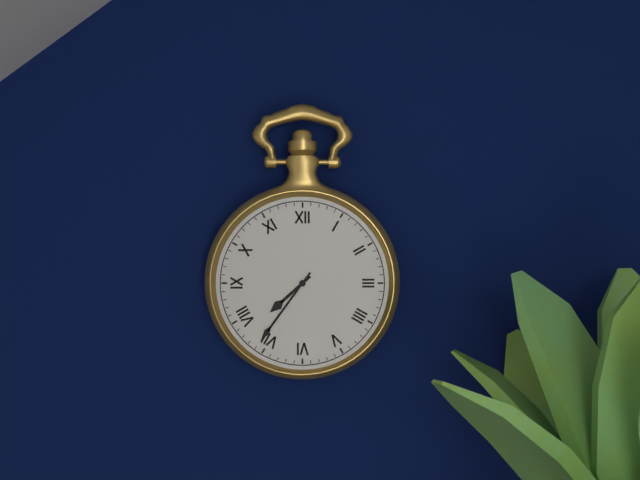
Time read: 7:36
